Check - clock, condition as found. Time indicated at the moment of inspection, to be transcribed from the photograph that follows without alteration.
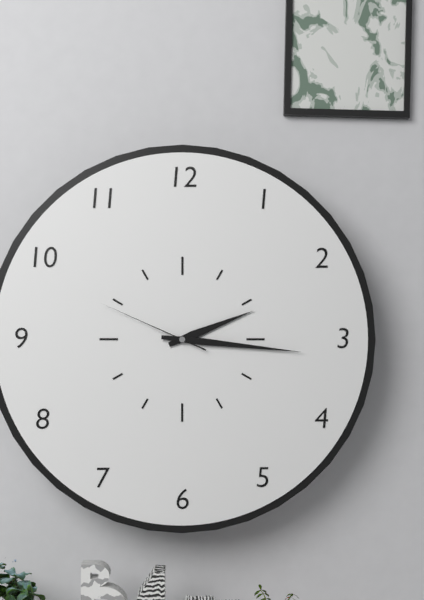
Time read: 2:16:49
